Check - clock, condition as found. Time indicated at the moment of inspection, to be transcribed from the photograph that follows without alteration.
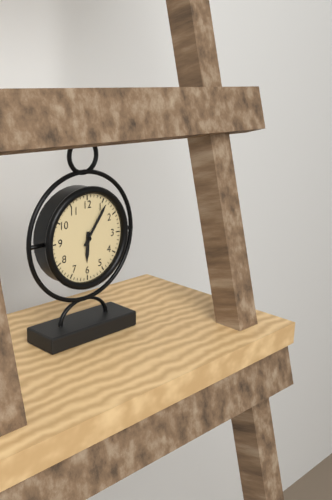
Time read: 6:06
